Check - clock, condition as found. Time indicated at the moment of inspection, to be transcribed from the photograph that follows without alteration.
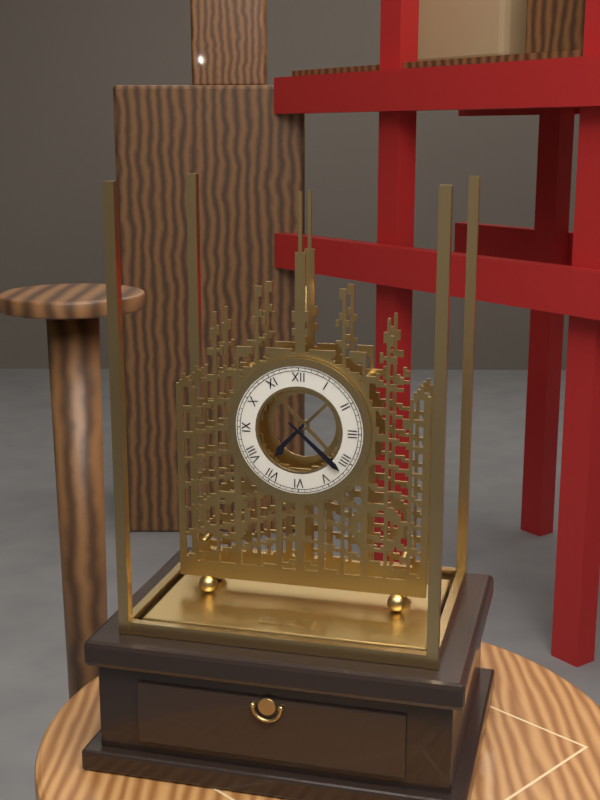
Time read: 7:22
